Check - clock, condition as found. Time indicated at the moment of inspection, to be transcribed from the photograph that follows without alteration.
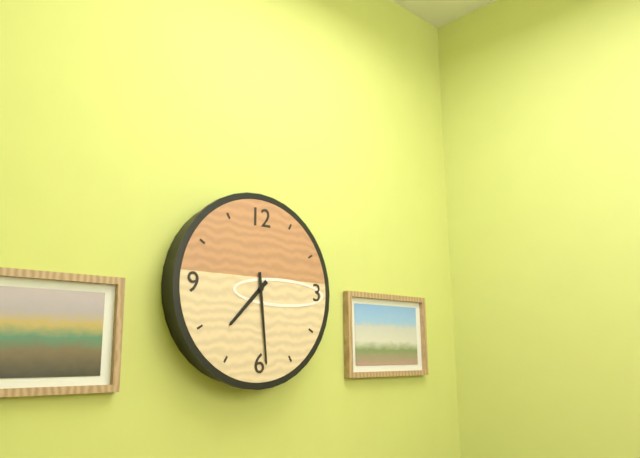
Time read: 7:29
